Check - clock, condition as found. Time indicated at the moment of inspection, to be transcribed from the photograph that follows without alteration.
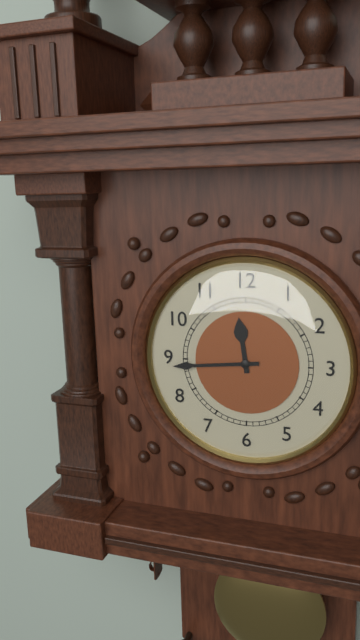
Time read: 11:44
